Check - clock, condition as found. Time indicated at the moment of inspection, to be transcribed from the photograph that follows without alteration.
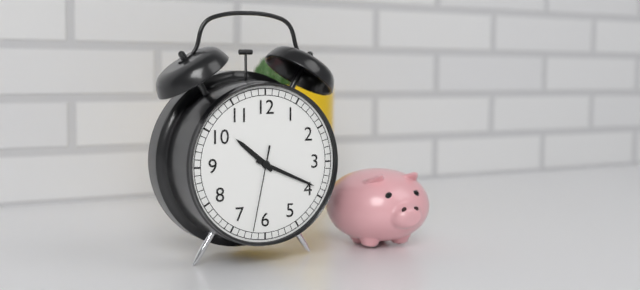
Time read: 10:19:32
